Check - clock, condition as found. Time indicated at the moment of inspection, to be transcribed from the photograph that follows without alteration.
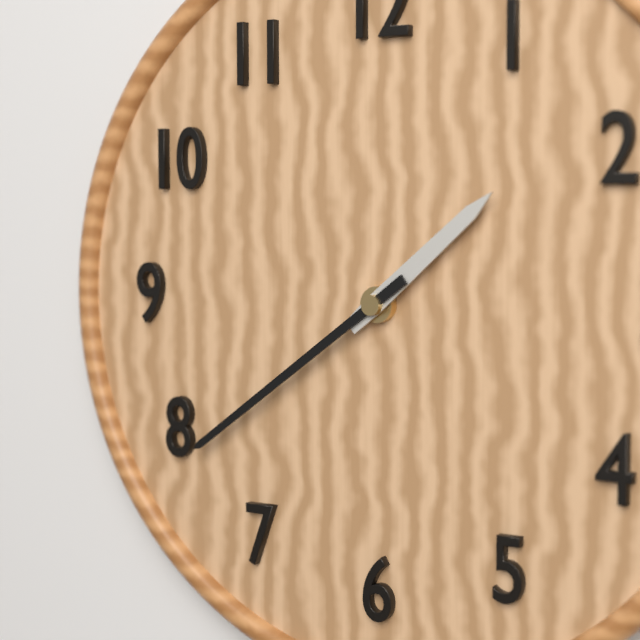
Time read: 1:39
